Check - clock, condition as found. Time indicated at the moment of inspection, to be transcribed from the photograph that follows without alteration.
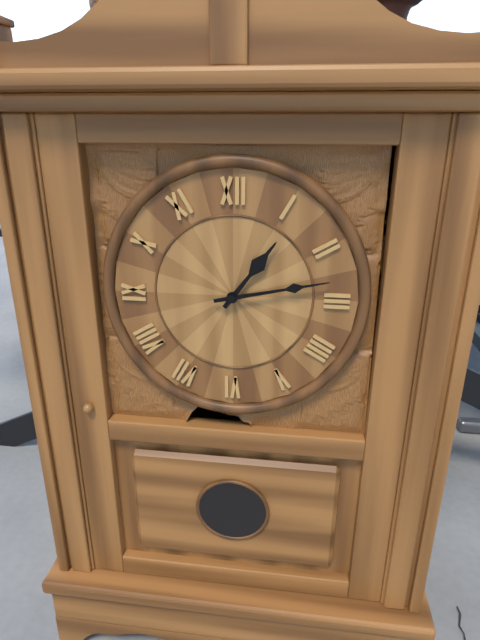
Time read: 1:13
